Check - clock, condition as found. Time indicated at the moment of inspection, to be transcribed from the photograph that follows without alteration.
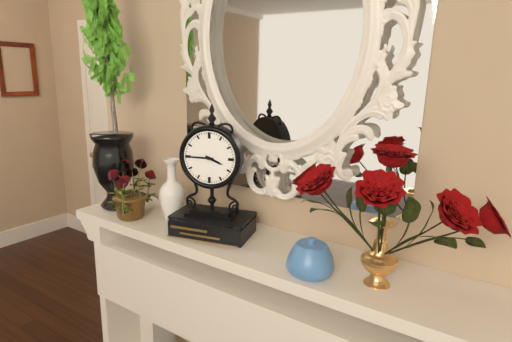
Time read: 3:45
